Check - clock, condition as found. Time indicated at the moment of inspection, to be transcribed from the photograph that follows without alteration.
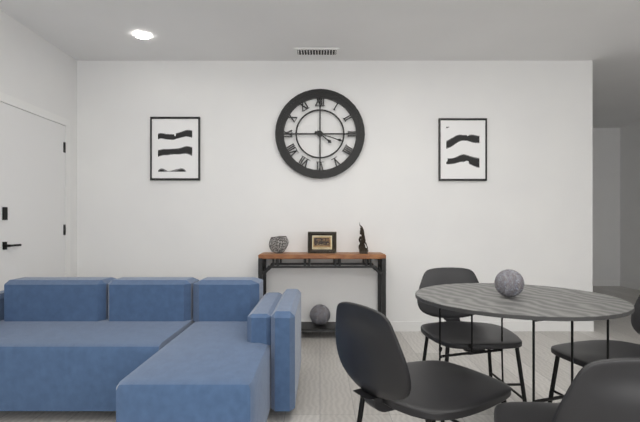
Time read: 4:18
